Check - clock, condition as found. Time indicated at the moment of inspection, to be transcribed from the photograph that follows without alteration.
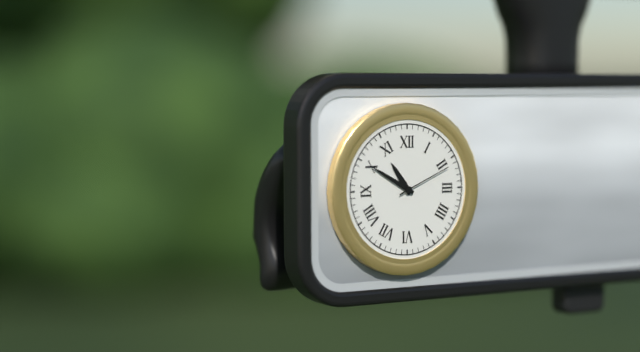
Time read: 10:50:11
